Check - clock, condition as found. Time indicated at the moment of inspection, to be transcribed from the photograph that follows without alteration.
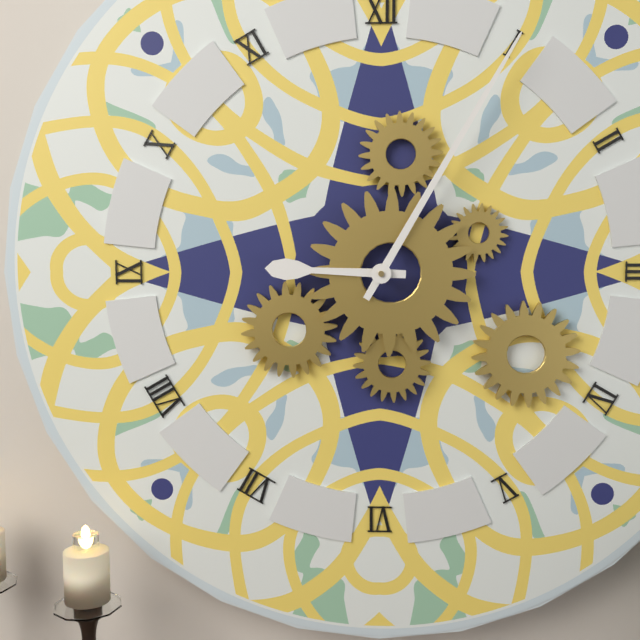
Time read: 9:05
